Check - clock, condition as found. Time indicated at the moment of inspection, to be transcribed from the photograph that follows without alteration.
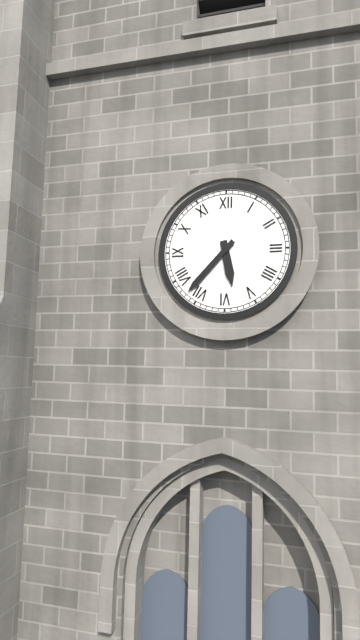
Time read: 5:37
